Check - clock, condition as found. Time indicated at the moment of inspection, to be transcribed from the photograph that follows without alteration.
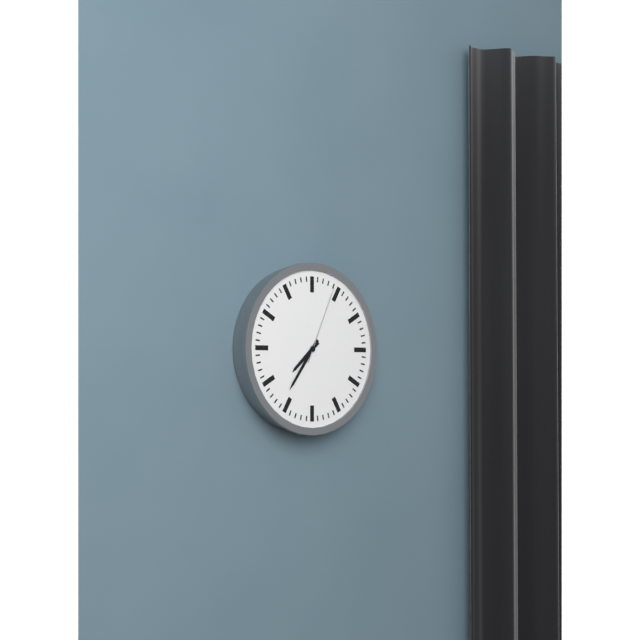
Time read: 7:36:04
